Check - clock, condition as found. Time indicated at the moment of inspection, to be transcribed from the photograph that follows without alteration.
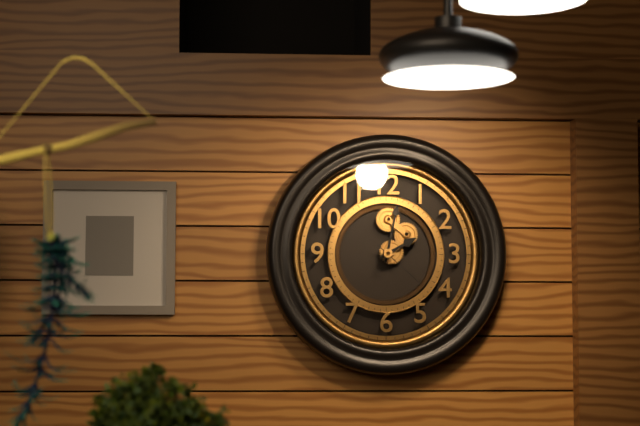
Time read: 2:02:22
